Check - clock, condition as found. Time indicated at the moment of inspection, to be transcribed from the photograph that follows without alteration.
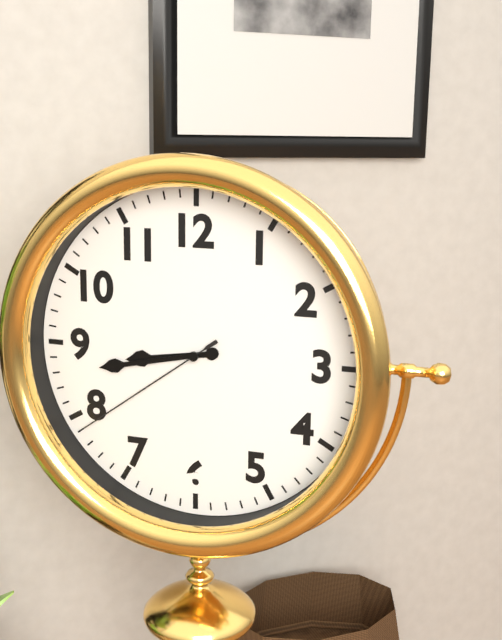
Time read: 8:43:39
